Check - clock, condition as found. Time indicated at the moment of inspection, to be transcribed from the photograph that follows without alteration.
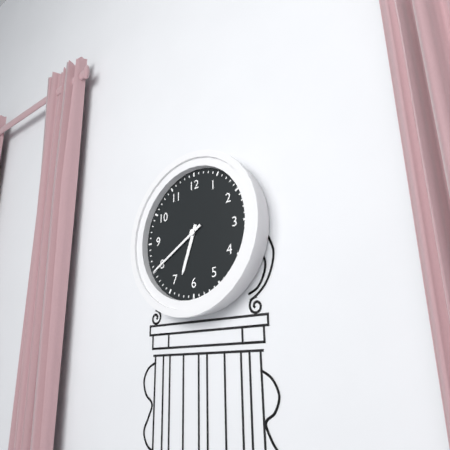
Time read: 6:40
